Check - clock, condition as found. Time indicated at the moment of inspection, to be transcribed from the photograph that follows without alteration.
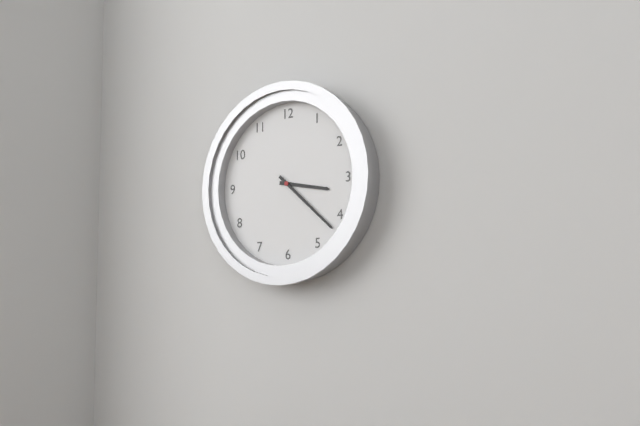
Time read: 3:22
